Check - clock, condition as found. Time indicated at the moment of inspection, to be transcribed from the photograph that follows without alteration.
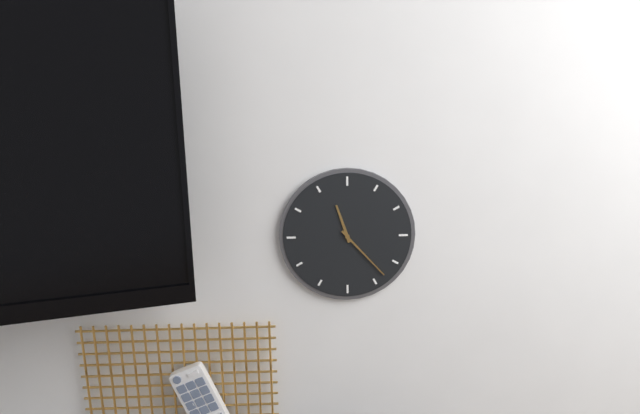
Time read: 11:23
